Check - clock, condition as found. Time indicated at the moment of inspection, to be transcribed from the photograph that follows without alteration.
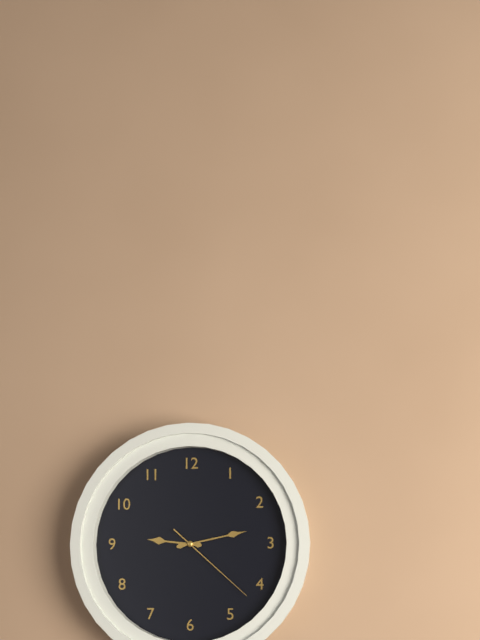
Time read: 9:13:22
